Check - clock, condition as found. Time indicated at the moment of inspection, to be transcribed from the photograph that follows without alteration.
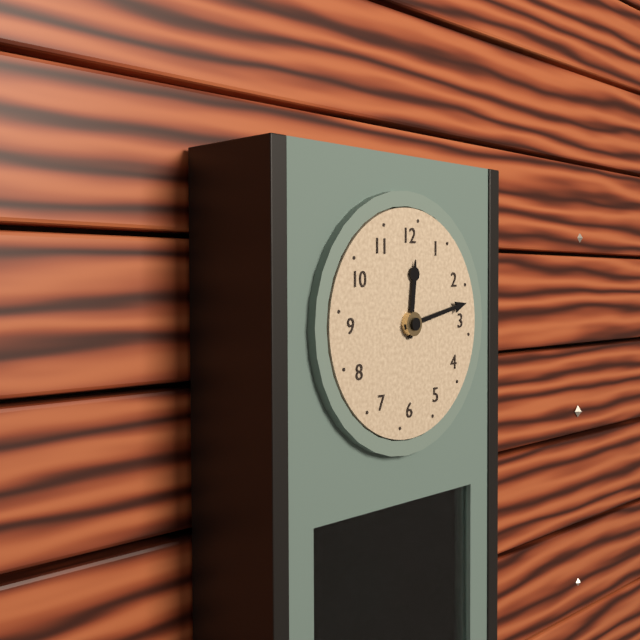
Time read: 12:13
